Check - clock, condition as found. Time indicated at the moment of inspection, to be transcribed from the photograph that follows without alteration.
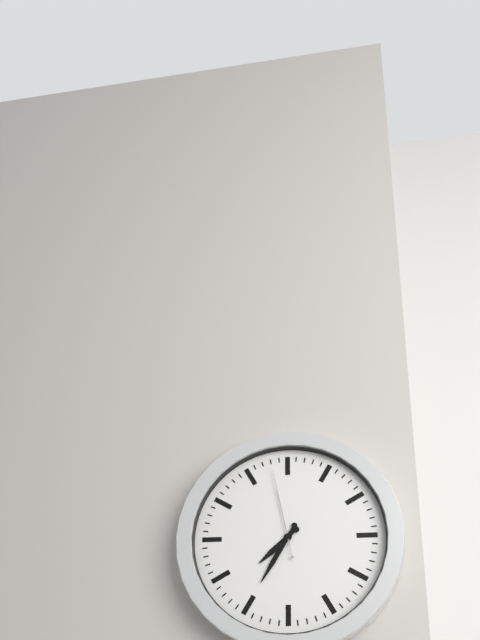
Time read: 7:35:58
